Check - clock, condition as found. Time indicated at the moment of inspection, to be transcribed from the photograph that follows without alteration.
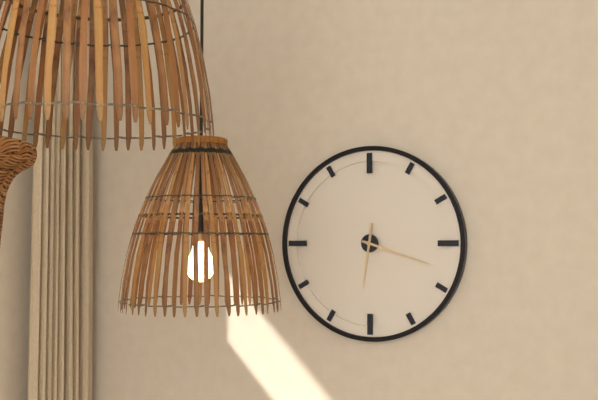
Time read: 6:18
